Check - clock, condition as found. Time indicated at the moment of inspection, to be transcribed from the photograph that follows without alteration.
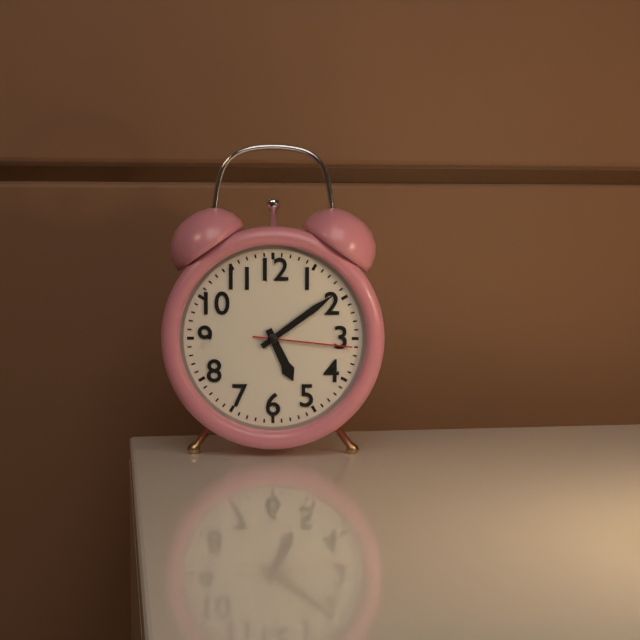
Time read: 5:09:16
